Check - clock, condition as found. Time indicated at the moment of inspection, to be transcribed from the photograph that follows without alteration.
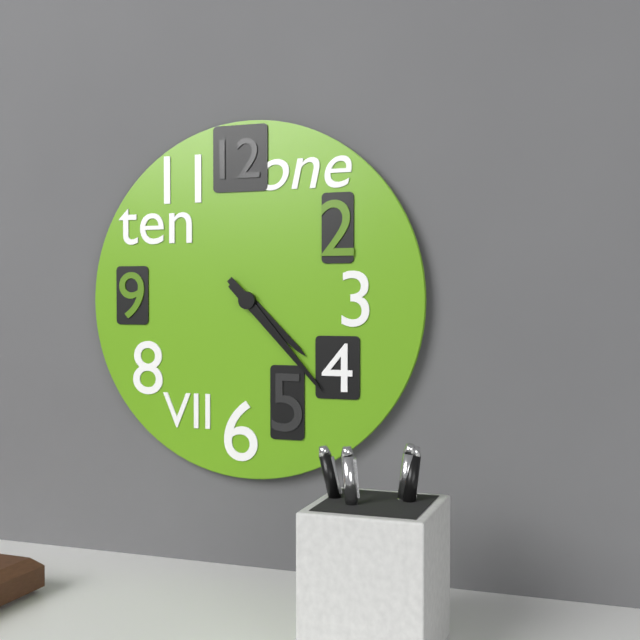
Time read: 4:23
